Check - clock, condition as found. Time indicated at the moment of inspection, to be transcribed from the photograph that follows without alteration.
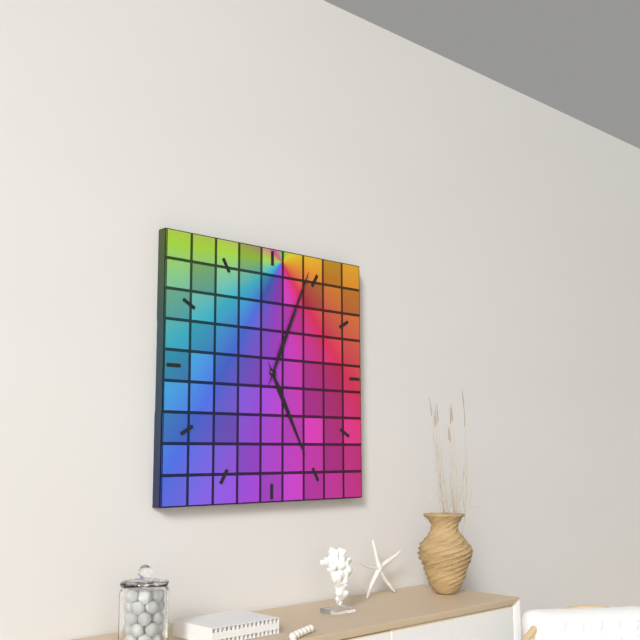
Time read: 5:04
